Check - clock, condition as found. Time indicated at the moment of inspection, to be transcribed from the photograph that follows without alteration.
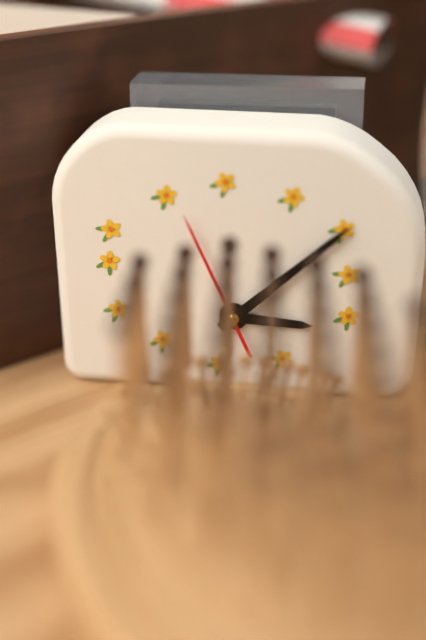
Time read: 3:08:56
